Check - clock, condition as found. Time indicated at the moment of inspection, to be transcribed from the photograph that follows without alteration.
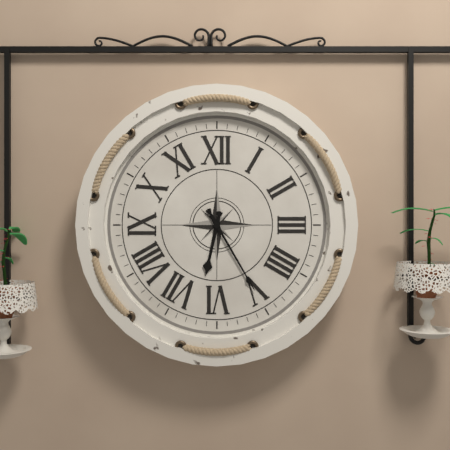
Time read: 6:25
